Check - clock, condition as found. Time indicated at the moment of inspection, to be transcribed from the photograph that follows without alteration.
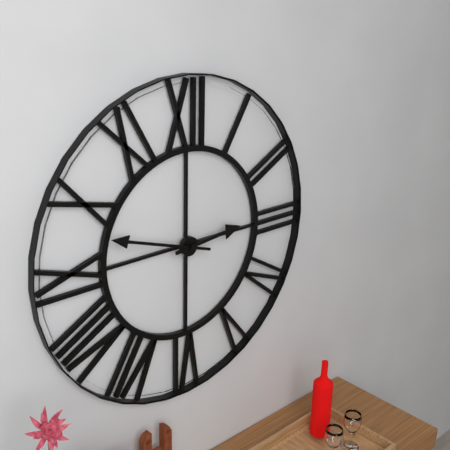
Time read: 2:48
